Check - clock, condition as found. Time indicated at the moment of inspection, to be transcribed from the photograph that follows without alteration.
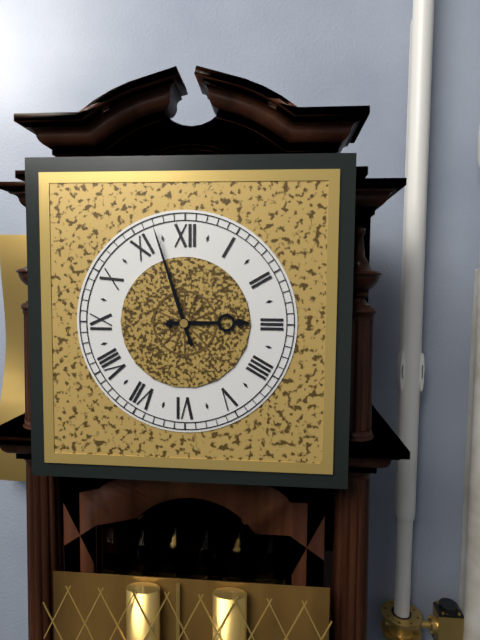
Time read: 2:57
